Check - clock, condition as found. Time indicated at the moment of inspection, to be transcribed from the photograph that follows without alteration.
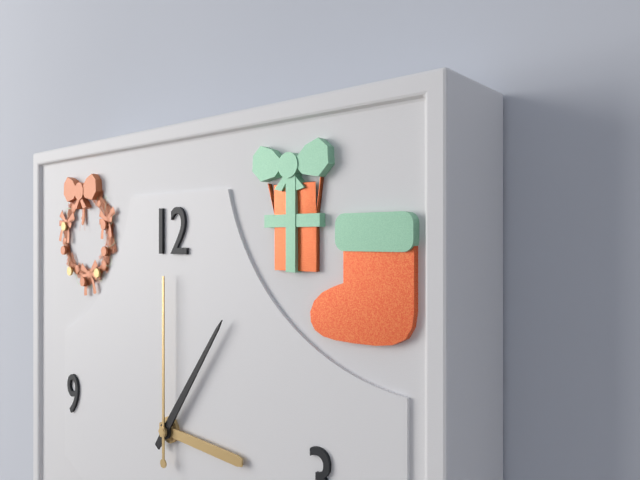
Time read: 3:06:00
